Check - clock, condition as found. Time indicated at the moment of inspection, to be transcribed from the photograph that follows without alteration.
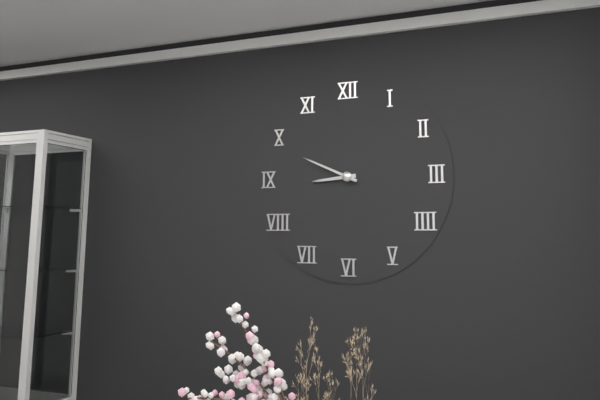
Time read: 8:49
